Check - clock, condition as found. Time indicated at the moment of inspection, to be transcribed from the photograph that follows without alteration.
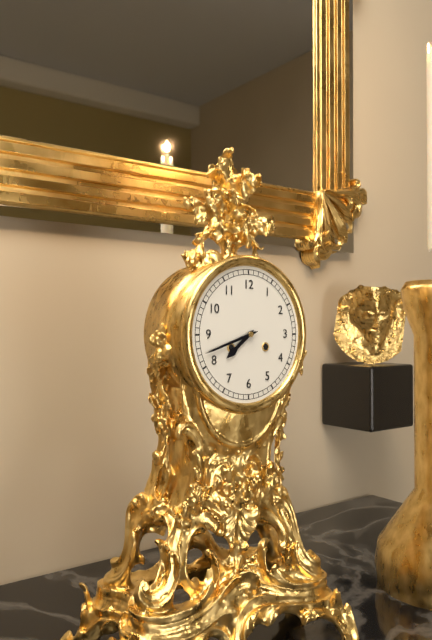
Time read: 7:42
